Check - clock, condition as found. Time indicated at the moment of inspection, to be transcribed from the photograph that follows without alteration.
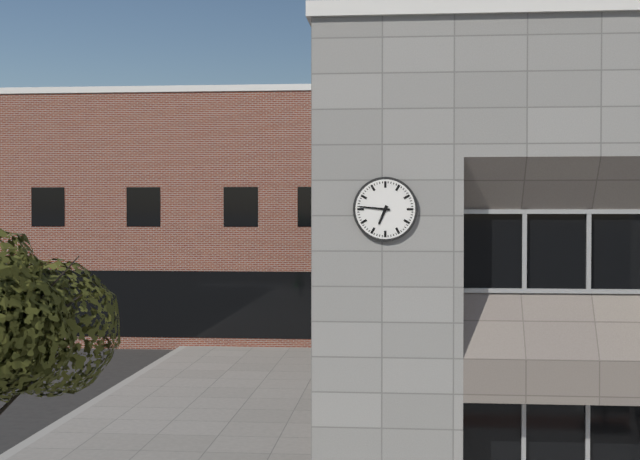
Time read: 6:46
